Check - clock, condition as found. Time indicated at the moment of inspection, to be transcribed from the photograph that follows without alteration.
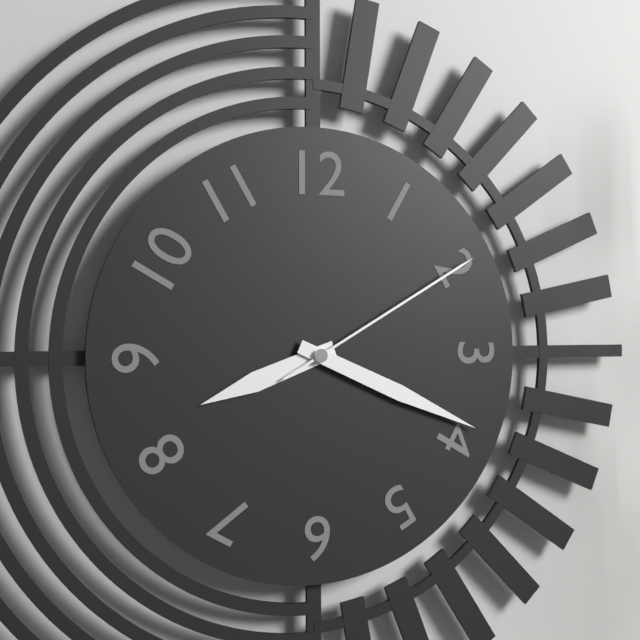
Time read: 8:19:10
